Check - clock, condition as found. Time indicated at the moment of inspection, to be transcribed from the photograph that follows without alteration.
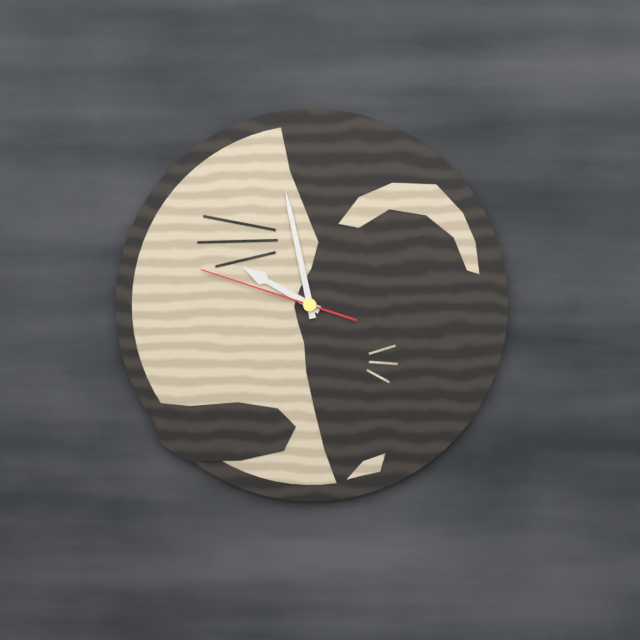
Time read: 9:58:48
